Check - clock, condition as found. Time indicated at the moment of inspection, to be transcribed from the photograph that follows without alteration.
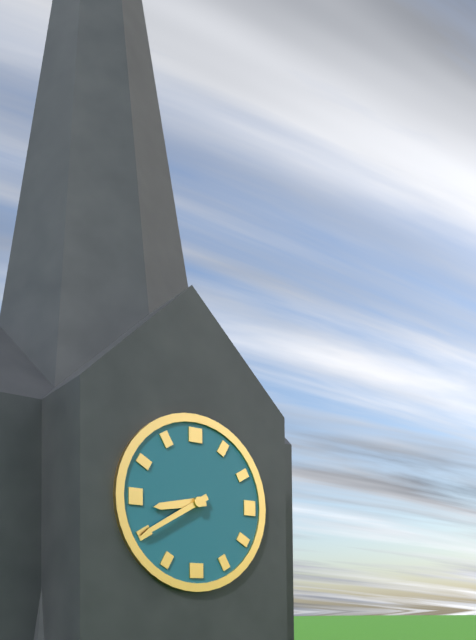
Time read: 8:40
